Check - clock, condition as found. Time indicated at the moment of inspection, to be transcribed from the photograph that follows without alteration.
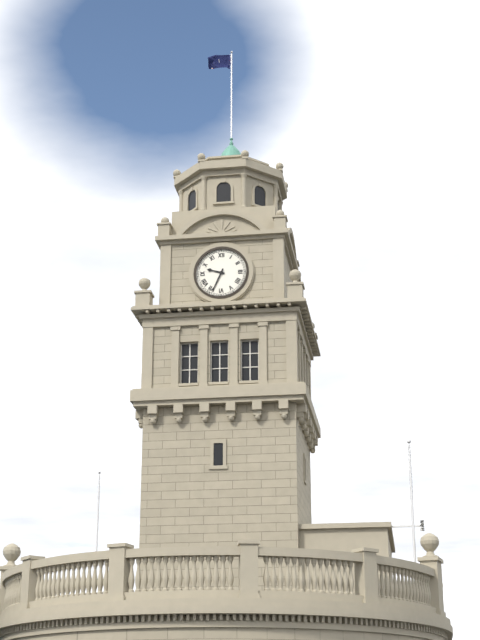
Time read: 9:34
